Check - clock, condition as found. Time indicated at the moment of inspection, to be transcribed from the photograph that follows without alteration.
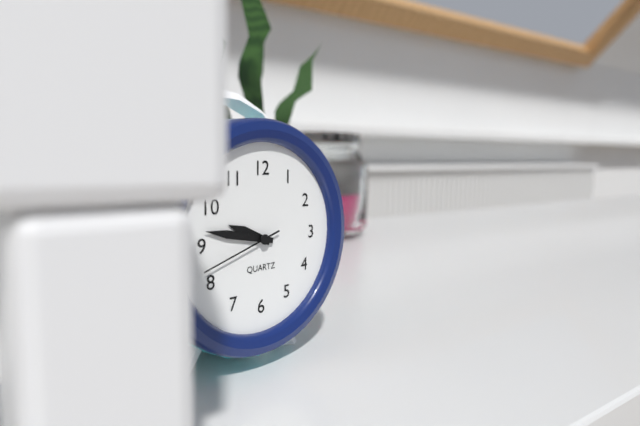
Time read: 9:47:42
